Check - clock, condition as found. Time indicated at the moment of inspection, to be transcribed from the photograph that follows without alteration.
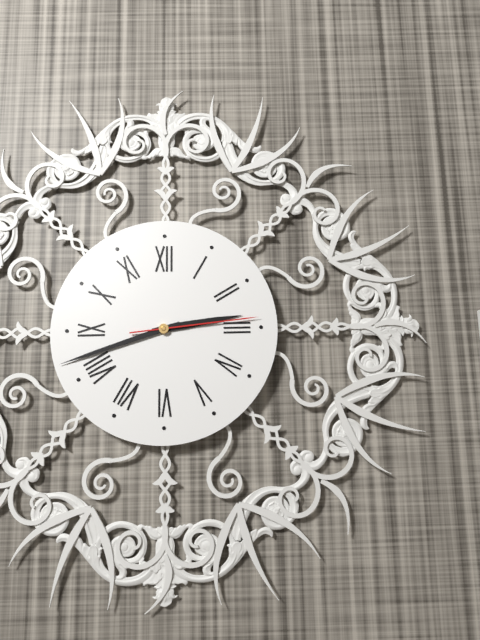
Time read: 2:42:14
